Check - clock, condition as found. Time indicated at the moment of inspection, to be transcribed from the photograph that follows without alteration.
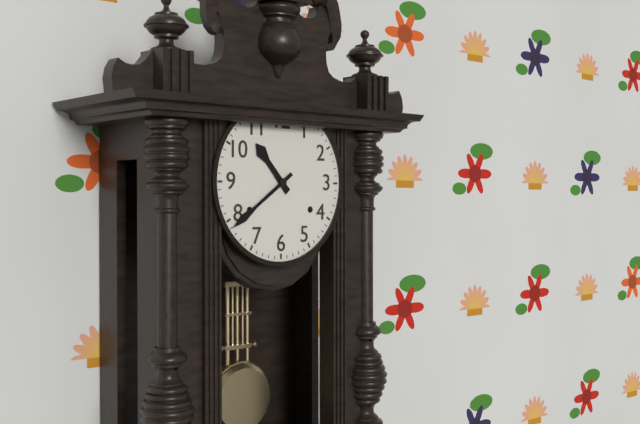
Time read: 10:39
